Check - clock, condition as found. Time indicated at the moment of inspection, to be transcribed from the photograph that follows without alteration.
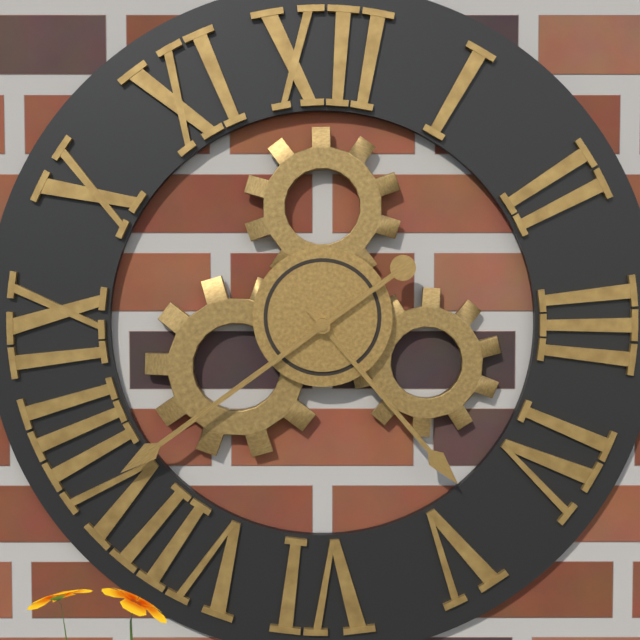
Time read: 4:39
